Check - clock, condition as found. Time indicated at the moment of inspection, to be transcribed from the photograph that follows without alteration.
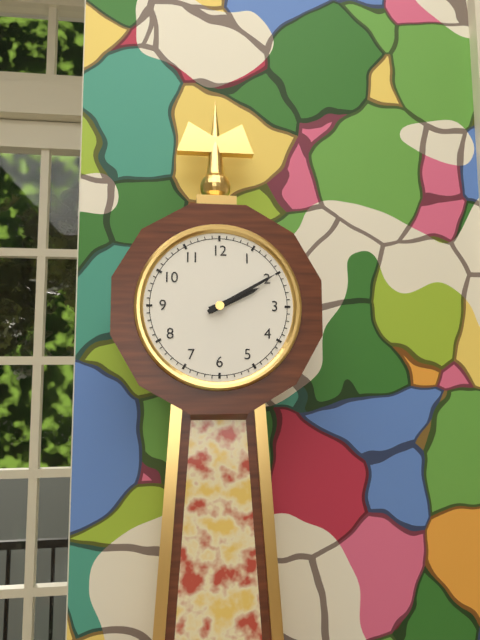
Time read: 2:10
